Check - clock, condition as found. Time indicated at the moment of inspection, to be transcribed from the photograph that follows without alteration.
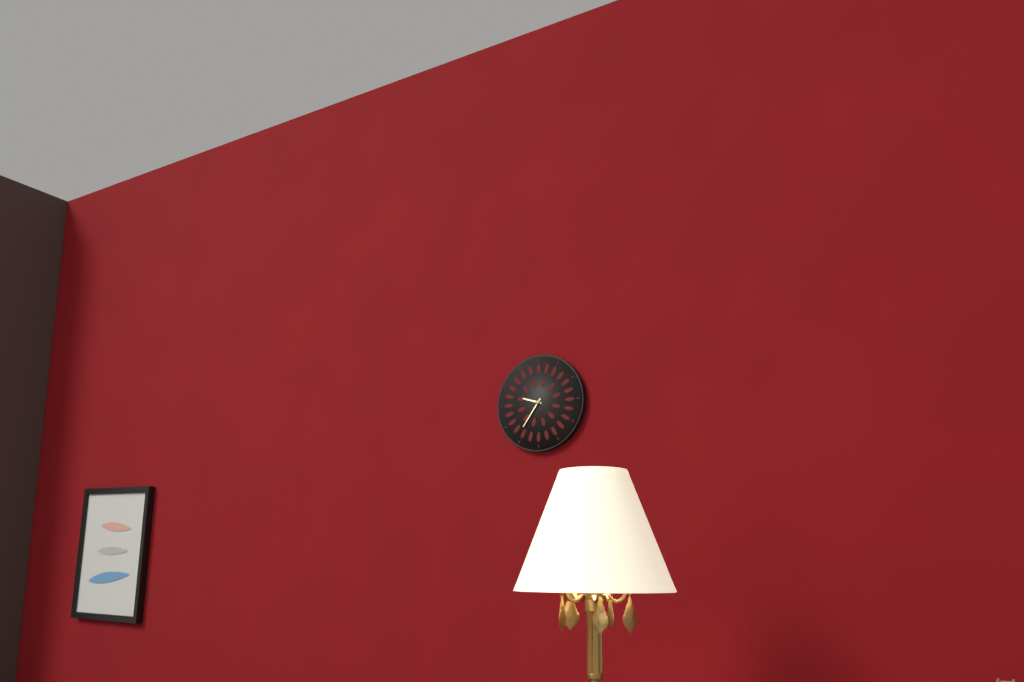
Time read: 9:36
